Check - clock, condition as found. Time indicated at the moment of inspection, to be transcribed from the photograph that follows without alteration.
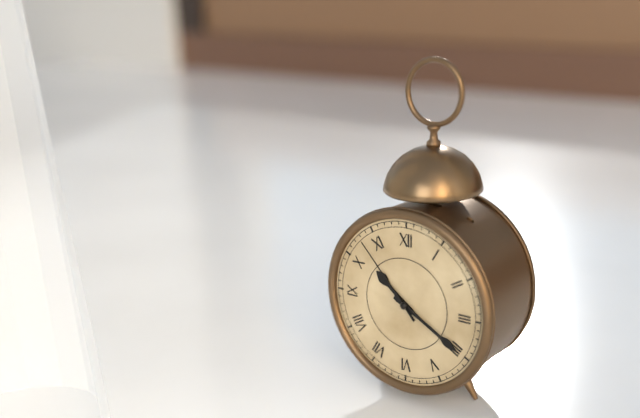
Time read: 10:20:53
